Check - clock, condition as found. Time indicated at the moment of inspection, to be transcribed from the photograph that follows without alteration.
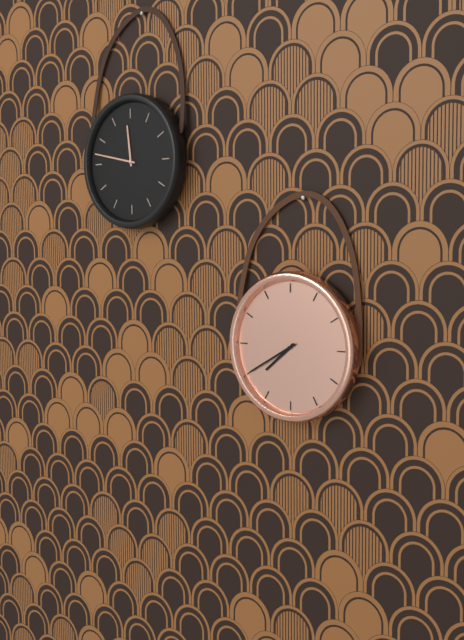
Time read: 7:40
